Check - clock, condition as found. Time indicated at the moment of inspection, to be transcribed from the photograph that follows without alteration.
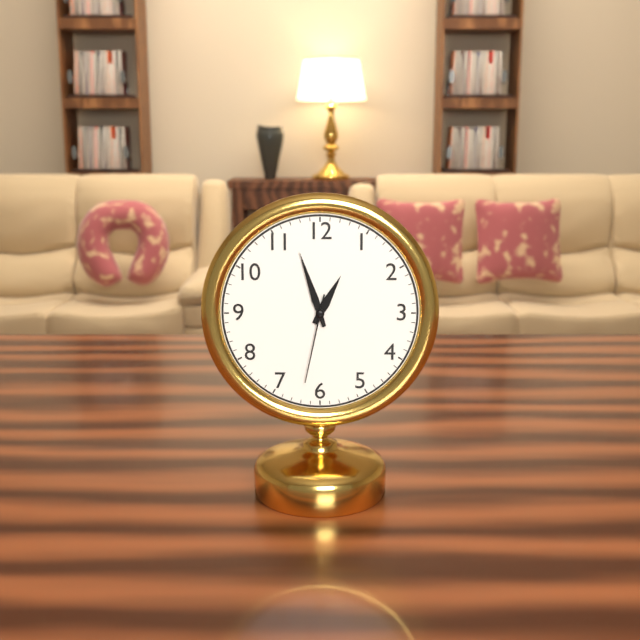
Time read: 12:57:32
